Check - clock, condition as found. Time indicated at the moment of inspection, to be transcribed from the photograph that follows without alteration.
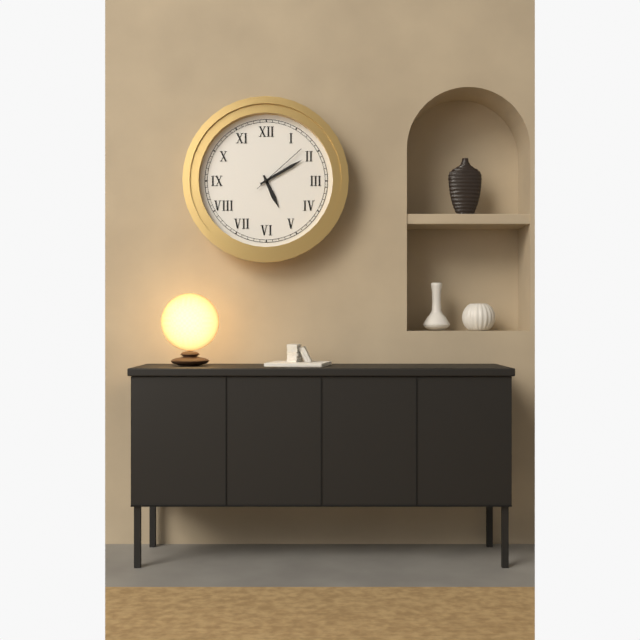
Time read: 5:10:08
